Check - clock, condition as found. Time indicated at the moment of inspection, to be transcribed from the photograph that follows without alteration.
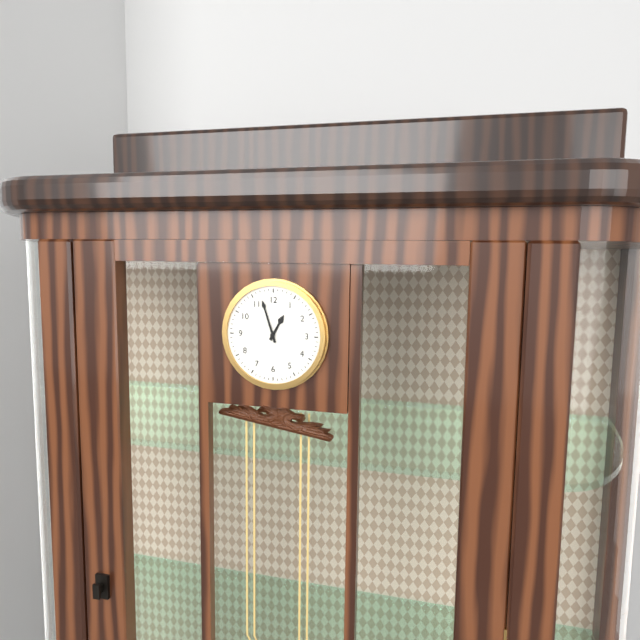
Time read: 12:57
